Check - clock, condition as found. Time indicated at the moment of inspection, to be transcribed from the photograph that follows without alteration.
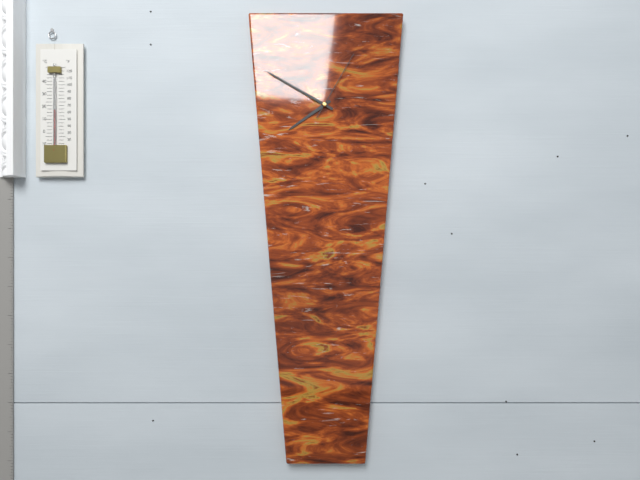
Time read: 7:50:05
